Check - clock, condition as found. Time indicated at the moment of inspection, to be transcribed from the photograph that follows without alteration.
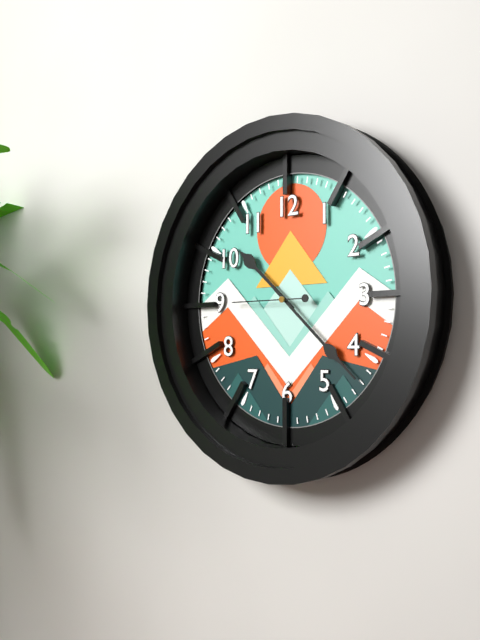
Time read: 10:22:45
